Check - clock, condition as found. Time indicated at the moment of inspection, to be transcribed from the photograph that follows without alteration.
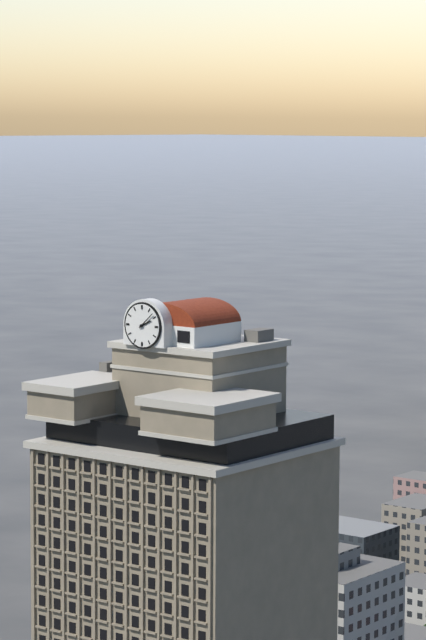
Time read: 2:08
